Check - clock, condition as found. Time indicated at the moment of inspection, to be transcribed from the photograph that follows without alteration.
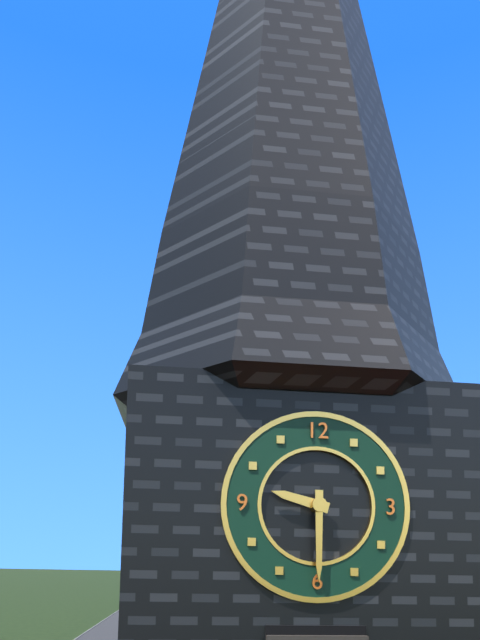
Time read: 9:30
